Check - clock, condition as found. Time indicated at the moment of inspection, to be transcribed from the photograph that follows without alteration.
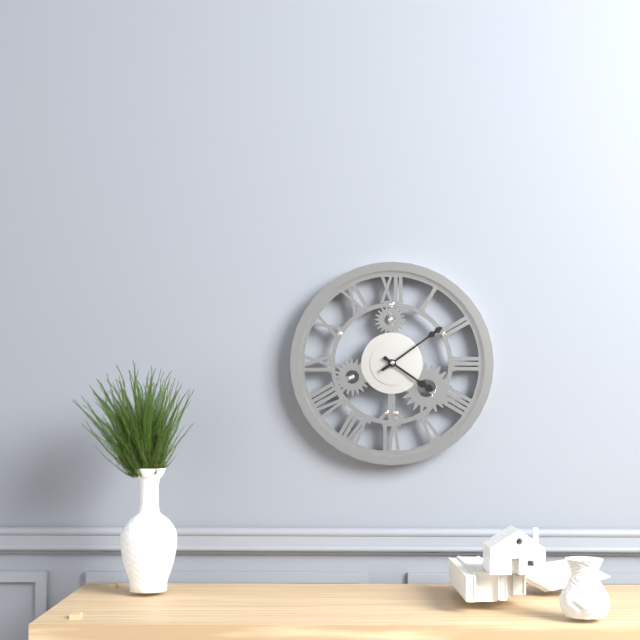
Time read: 4:09
